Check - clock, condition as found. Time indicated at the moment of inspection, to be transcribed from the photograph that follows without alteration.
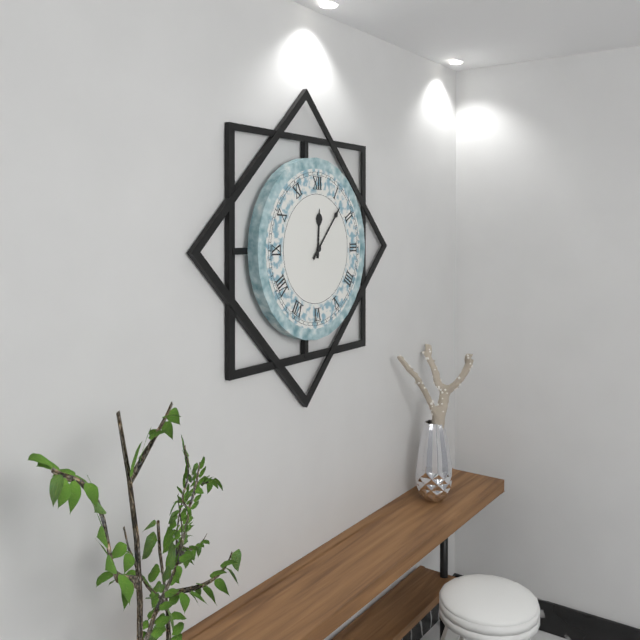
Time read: 12:07
